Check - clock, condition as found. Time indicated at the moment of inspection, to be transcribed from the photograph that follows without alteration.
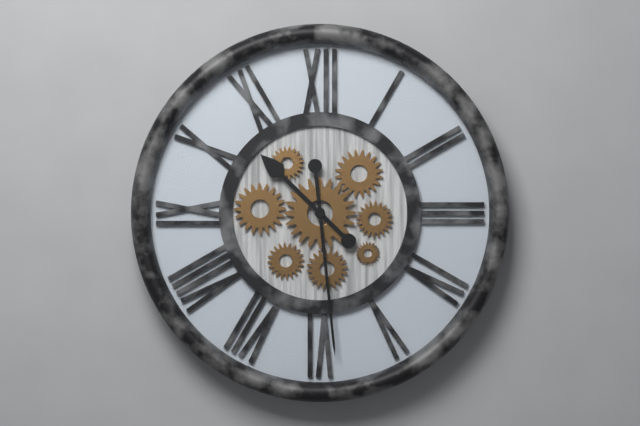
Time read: 10:29
